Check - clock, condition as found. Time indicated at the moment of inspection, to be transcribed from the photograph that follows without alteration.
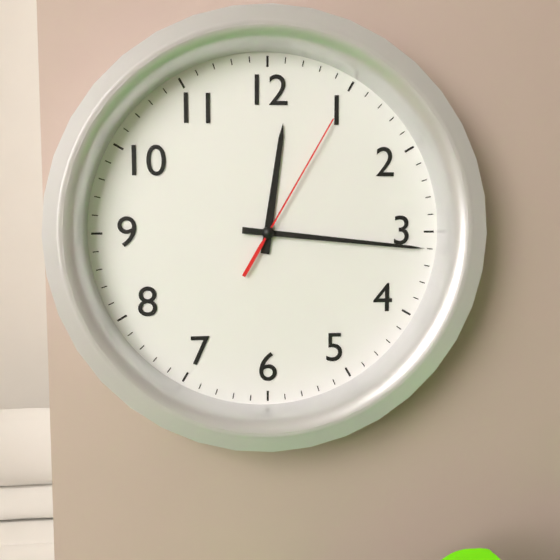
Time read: 12:16:05
